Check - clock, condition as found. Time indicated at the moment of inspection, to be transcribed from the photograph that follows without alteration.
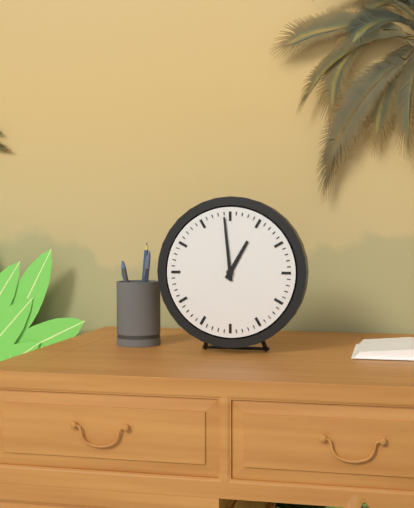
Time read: 12:59
